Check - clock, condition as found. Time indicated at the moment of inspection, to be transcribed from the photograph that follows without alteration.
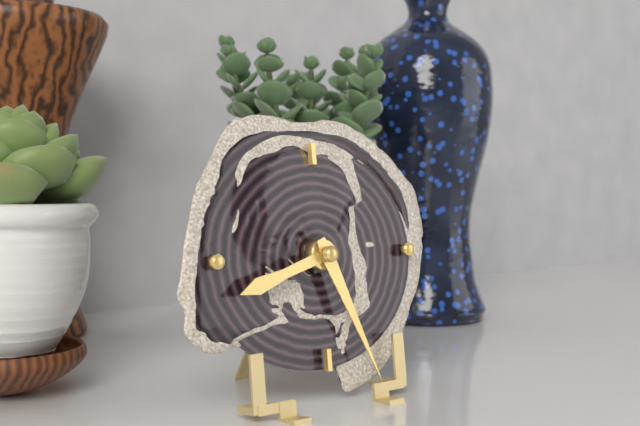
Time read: 8:26
